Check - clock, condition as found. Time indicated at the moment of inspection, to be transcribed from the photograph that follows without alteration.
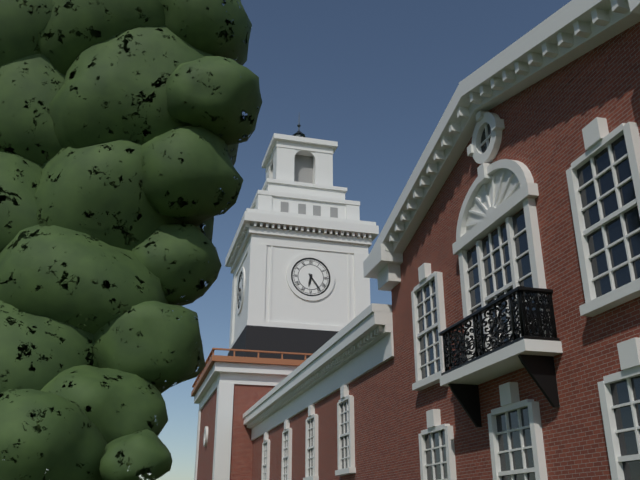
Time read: 6:24
